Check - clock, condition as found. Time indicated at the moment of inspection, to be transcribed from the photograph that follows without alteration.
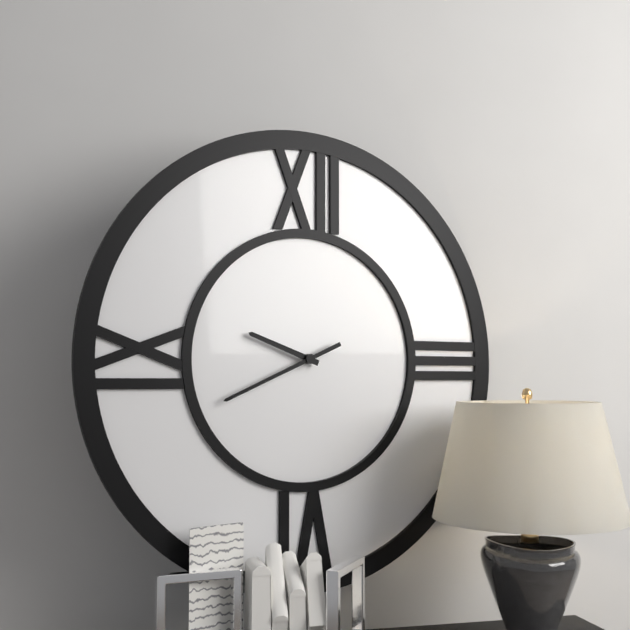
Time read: 9:41
